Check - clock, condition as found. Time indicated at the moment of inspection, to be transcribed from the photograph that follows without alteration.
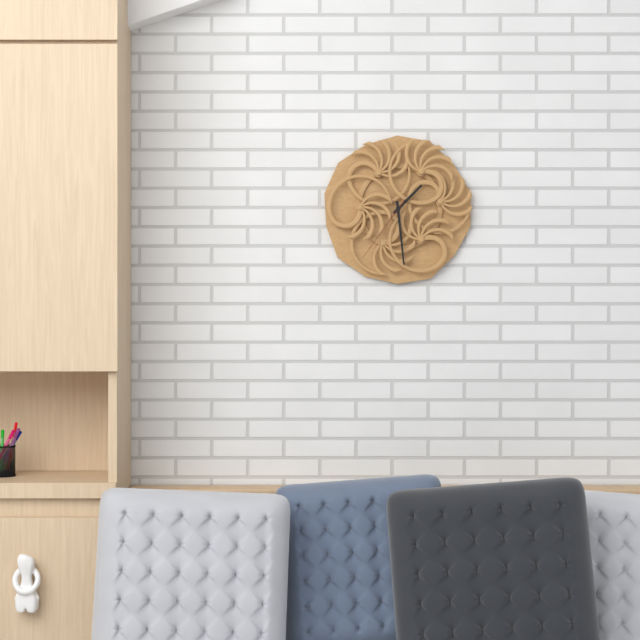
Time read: 1:29:36
